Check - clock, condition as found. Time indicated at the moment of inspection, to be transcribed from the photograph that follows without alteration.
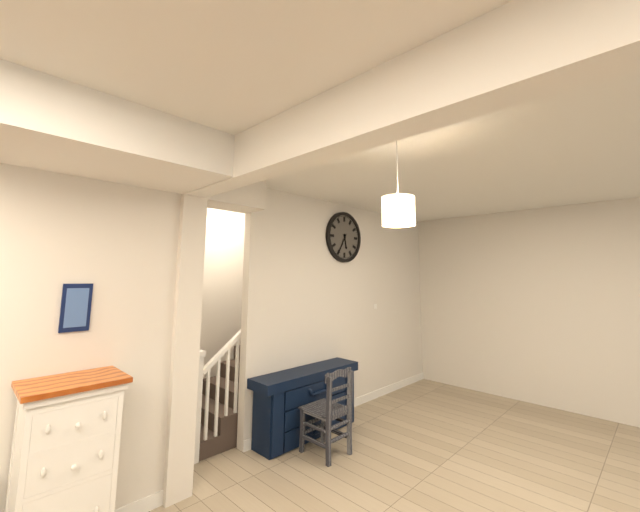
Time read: 5:35
